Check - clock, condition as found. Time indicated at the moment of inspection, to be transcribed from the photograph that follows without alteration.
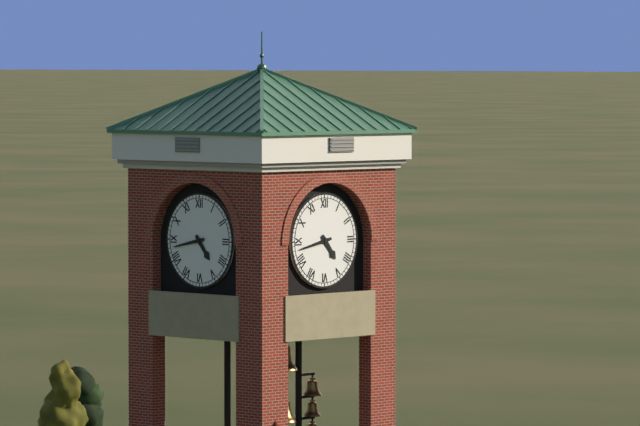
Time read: 4:43
